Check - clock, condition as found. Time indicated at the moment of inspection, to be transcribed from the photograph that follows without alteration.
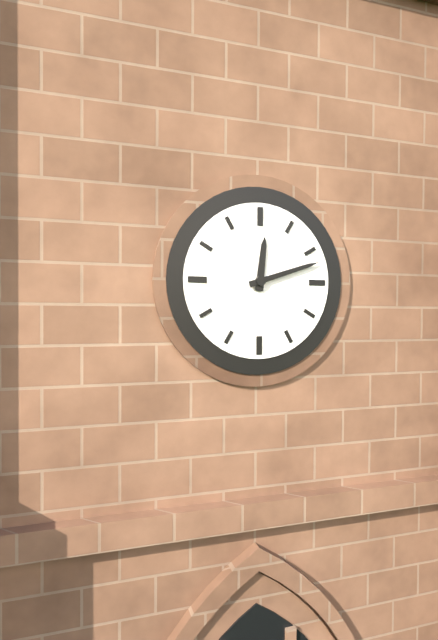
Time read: 12:12
